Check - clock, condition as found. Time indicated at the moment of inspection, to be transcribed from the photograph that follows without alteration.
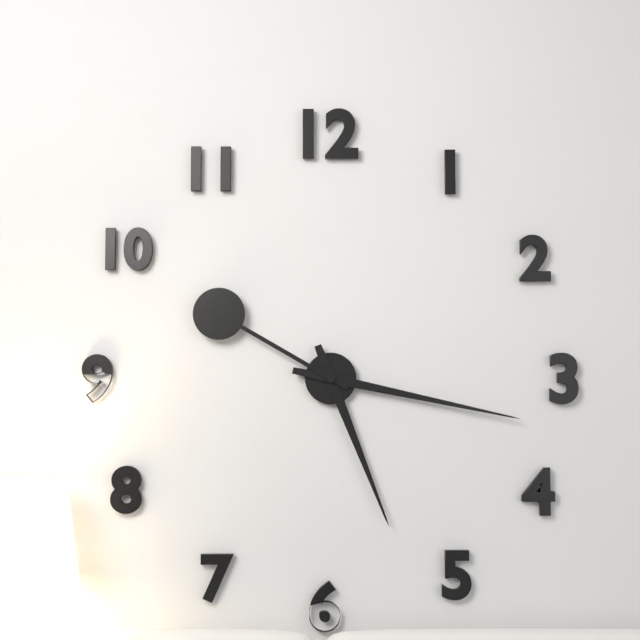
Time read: 5:17:50
